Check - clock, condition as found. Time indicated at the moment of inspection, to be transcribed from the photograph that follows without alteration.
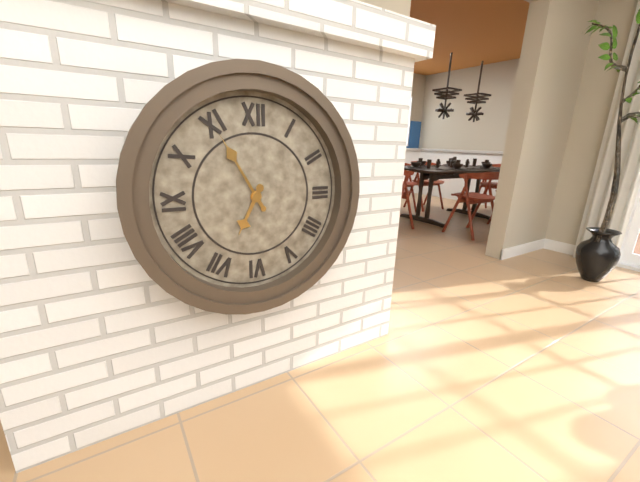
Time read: 6:55
